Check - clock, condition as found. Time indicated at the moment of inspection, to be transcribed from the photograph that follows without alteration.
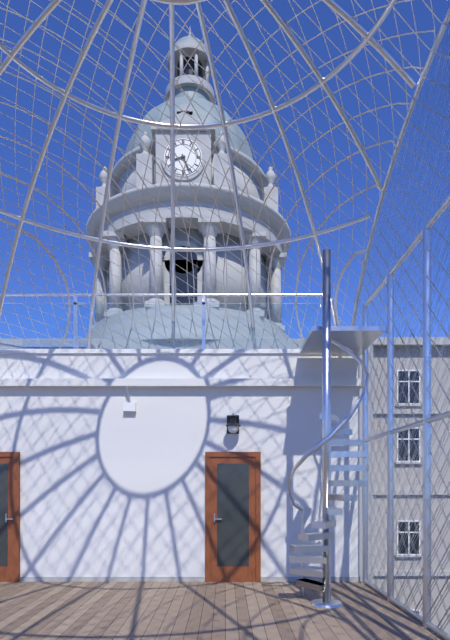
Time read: 8:26
